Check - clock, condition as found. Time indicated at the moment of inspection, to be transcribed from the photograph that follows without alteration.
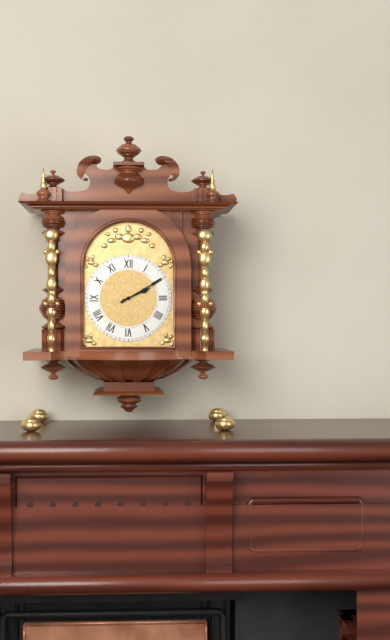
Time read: 2:10
